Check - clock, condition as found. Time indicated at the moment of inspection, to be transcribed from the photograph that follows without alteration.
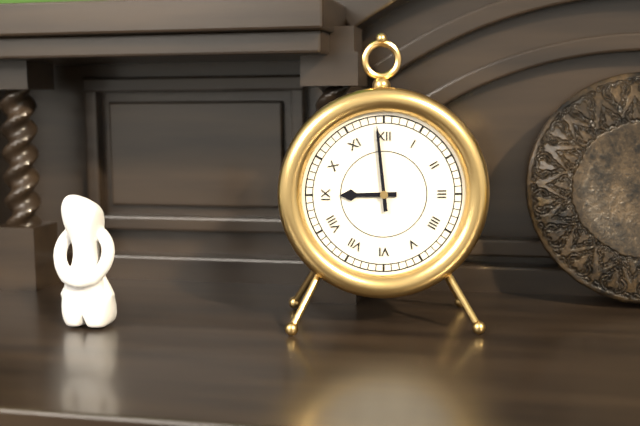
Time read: 8:59
